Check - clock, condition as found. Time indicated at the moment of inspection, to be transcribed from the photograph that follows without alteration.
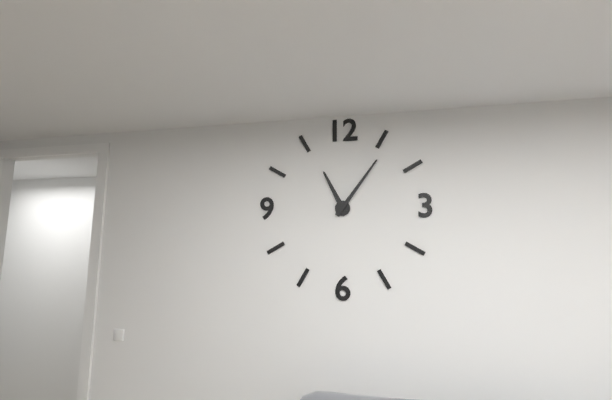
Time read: 11:06
